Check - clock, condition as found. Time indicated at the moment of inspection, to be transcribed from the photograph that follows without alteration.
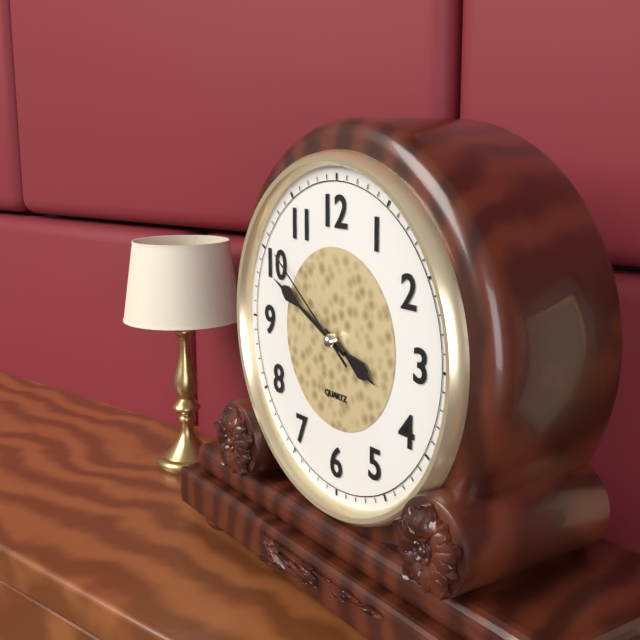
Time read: 3:49:51
